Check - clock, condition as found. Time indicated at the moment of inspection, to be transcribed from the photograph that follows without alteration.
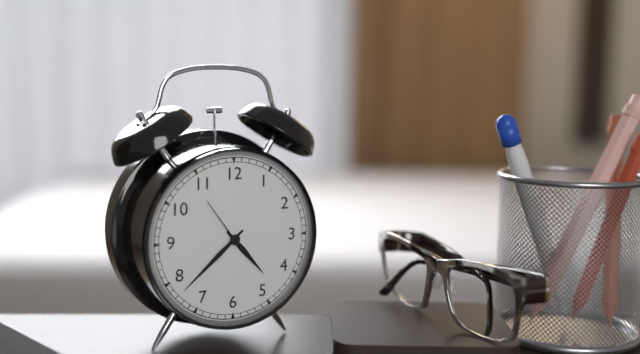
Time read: 4:38:54
